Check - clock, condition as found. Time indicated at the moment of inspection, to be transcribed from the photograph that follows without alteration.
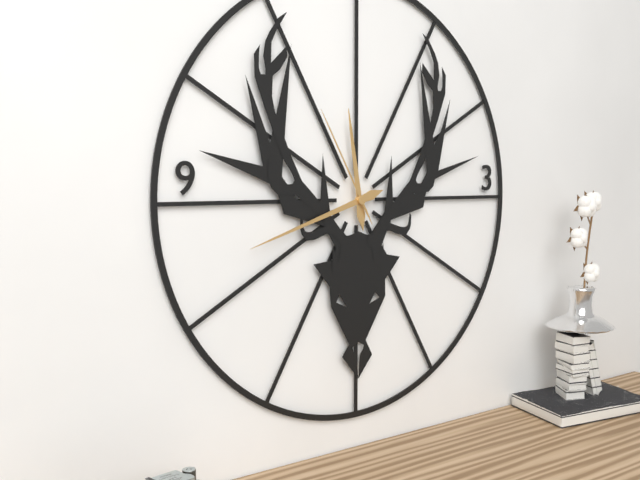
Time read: 11:42:55
